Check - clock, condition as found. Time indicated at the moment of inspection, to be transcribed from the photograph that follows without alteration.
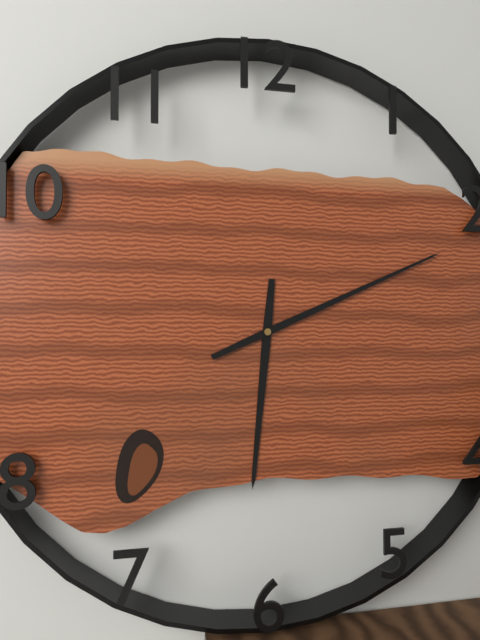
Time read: 6:11
